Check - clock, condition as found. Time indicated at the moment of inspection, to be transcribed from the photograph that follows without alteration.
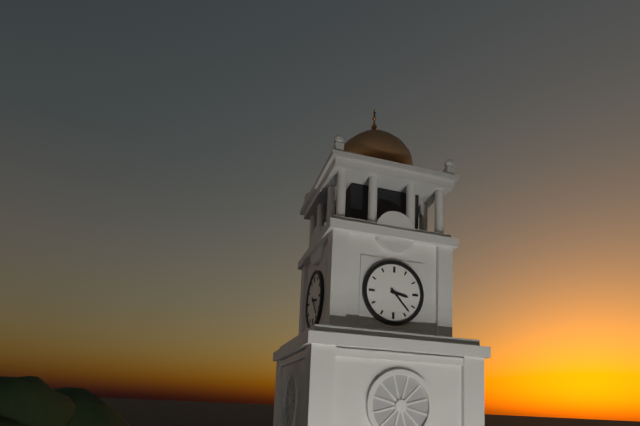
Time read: 3:23
